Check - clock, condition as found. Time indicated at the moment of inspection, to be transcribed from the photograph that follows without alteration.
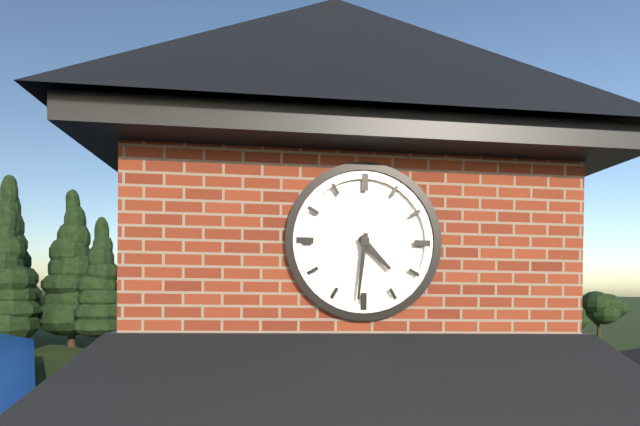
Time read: 4:31
